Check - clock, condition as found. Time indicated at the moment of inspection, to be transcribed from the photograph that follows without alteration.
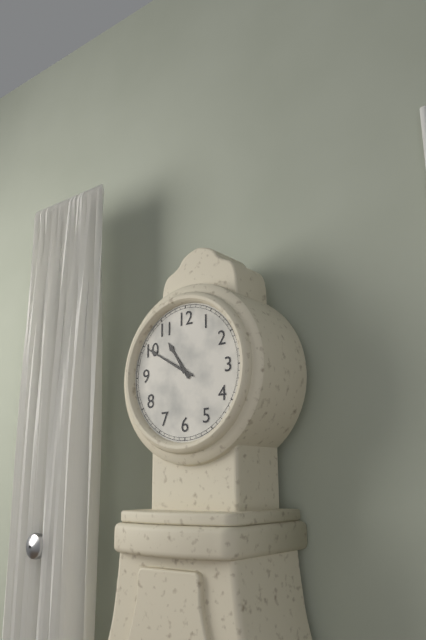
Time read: 10:50
